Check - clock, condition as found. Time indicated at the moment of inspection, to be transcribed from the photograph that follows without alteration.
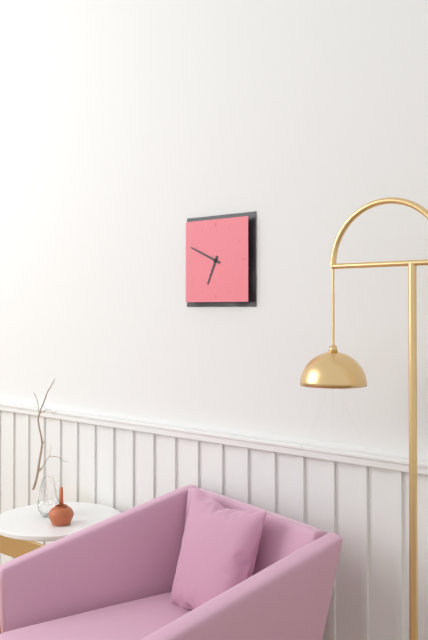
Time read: 6:49
